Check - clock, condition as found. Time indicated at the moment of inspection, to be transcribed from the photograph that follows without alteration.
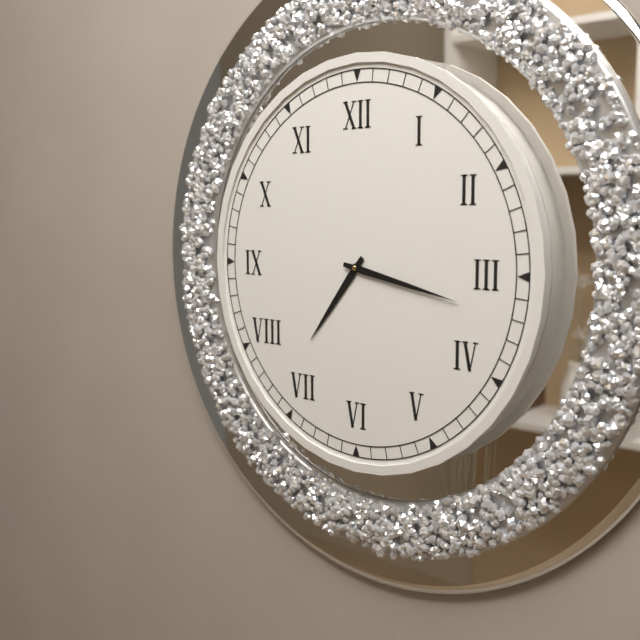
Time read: 7:17
